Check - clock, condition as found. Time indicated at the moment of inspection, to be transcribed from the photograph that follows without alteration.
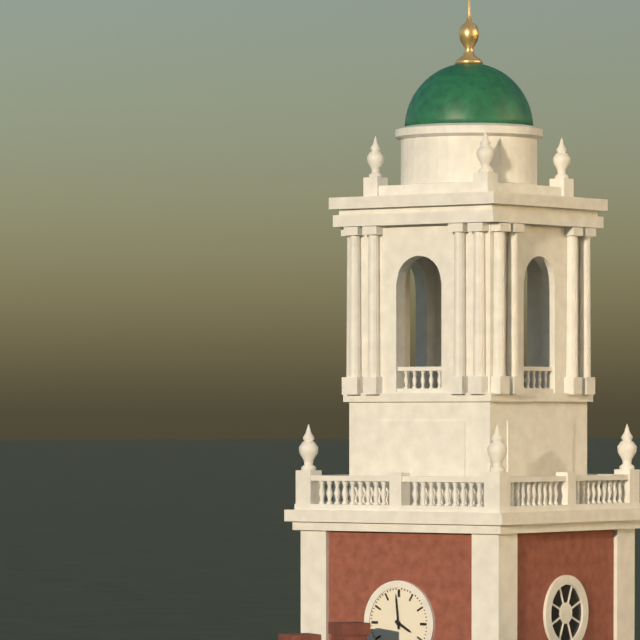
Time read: 3:59
